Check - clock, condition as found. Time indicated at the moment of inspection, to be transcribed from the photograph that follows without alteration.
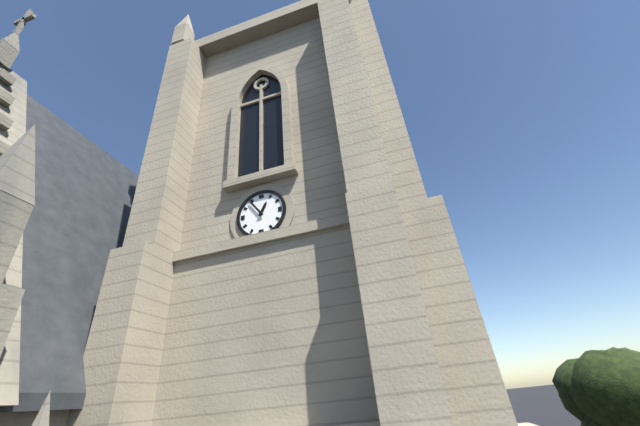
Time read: 12:54
